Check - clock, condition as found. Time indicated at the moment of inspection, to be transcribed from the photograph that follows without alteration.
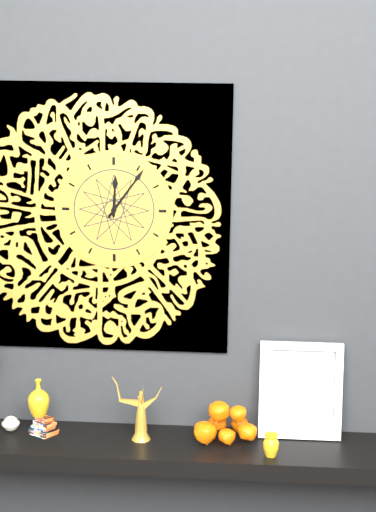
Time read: 12:06
